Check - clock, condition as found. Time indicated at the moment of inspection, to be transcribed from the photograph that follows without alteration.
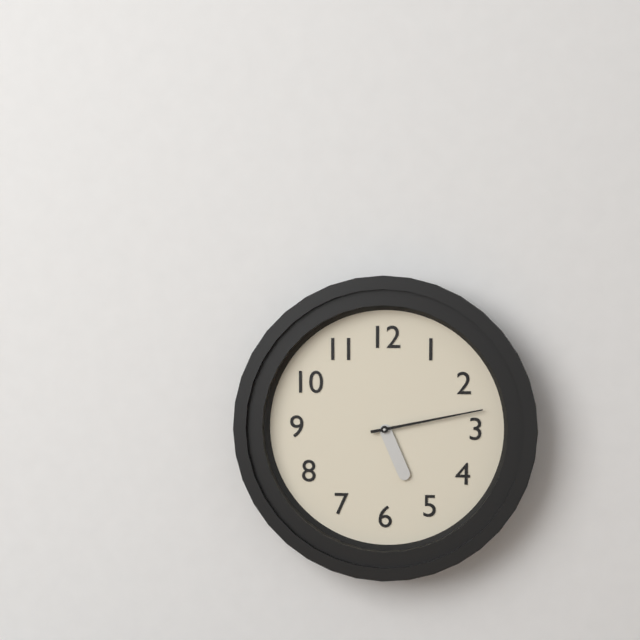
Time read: 5:13
